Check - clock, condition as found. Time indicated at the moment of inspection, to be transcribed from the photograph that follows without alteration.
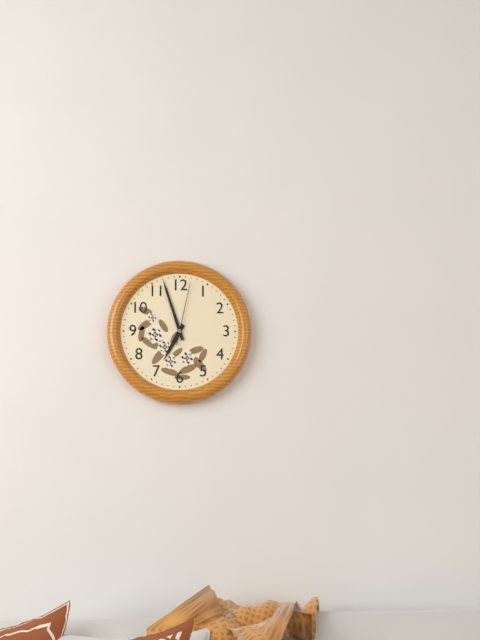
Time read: 6:57:02
